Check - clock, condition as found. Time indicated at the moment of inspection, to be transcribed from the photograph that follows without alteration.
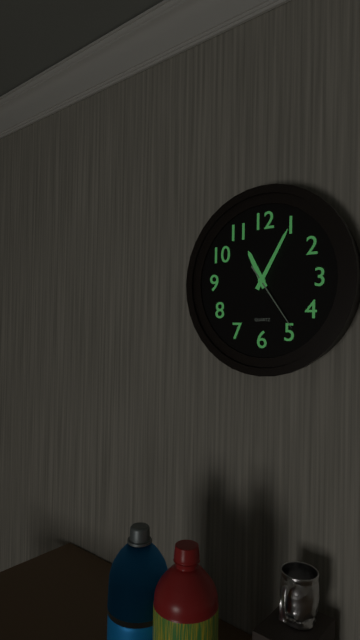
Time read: 11:05:24
